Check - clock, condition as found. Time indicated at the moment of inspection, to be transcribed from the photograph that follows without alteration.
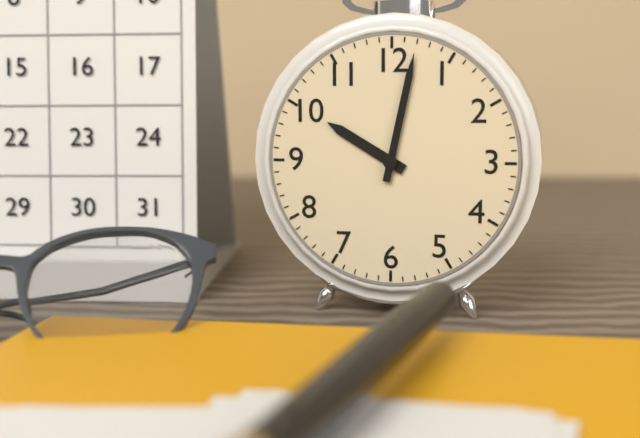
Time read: 10:02
